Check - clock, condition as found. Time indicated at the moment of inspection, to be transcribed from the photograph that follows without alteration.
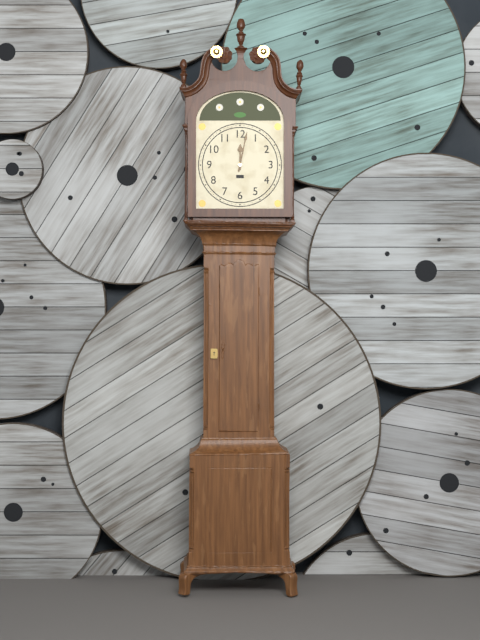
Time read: 12:02
